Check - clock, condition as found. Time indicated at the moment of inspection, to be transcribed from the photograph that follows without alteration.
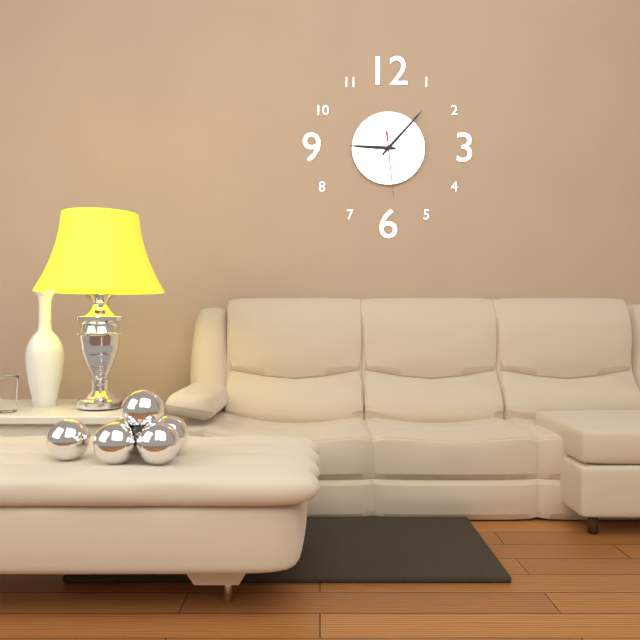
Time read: 9:07:29
